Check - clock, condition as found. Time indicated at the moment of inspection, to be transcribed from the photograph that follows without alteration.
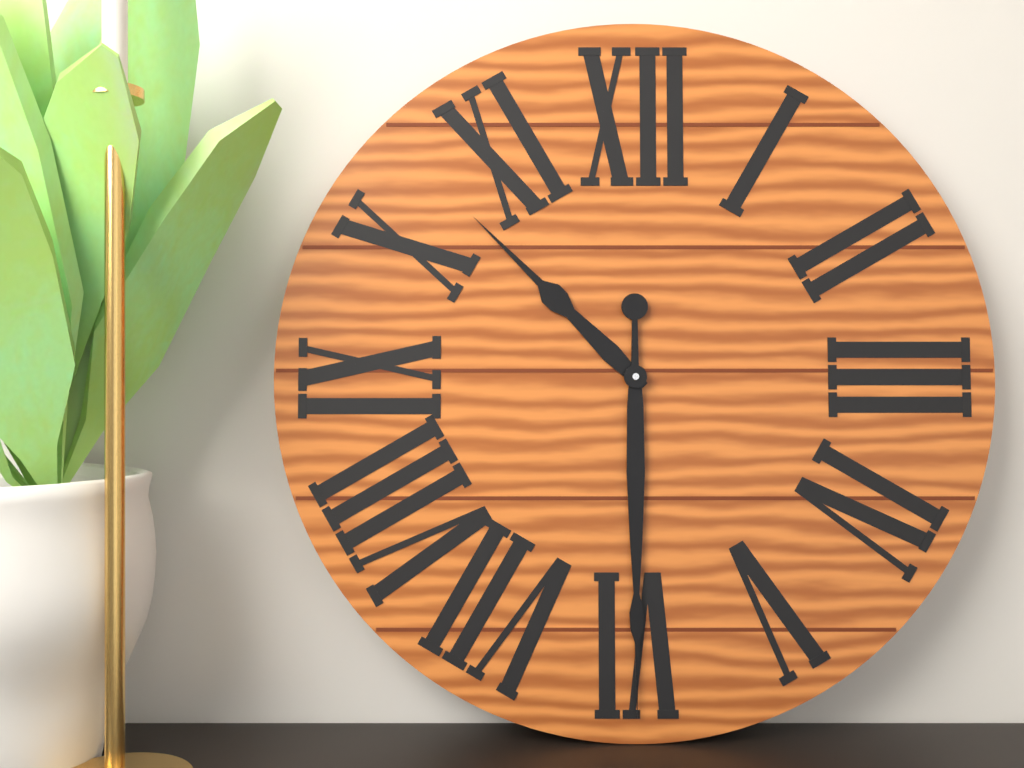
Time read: 10:30
